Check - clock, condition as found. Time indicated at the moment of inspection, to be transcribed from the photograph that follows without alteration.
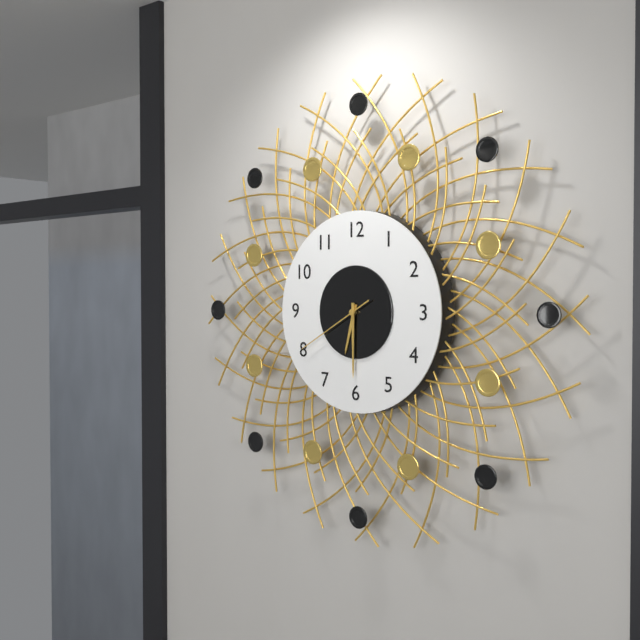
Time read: 6:30:40
